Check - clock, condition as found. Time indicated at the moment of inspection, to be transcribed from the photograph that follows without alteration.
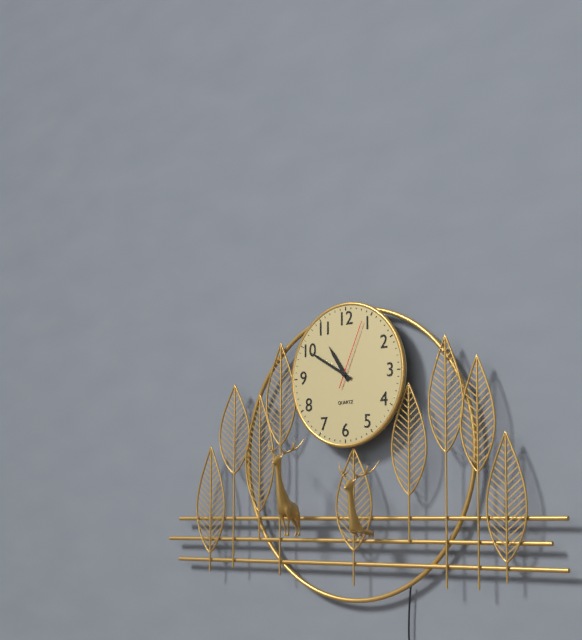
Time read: 10:50:04
